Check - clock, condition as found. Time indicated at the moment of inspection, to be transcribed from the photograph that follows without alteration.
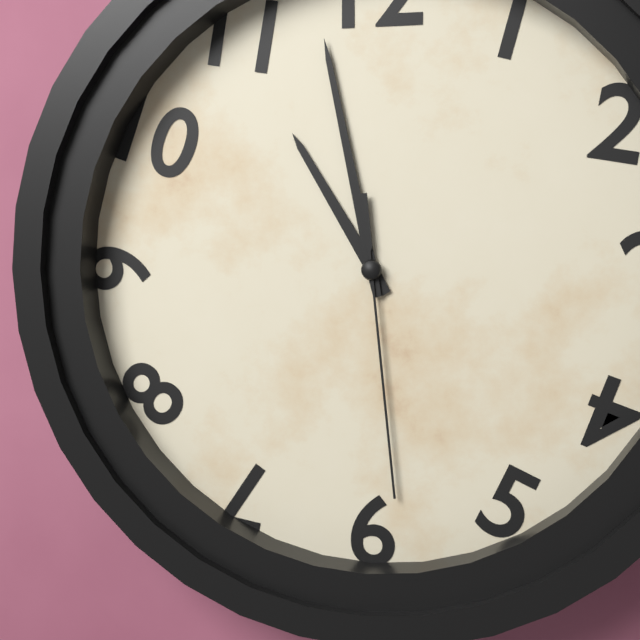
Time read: 10:58:29
